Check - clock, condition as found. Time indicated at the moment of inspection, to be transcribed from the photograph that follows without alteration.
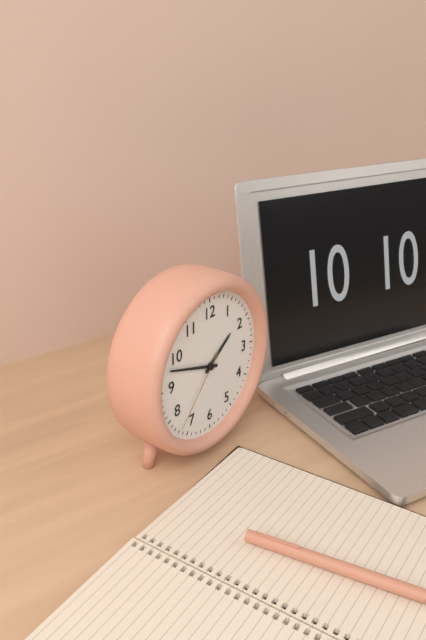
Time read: 1:48:37
